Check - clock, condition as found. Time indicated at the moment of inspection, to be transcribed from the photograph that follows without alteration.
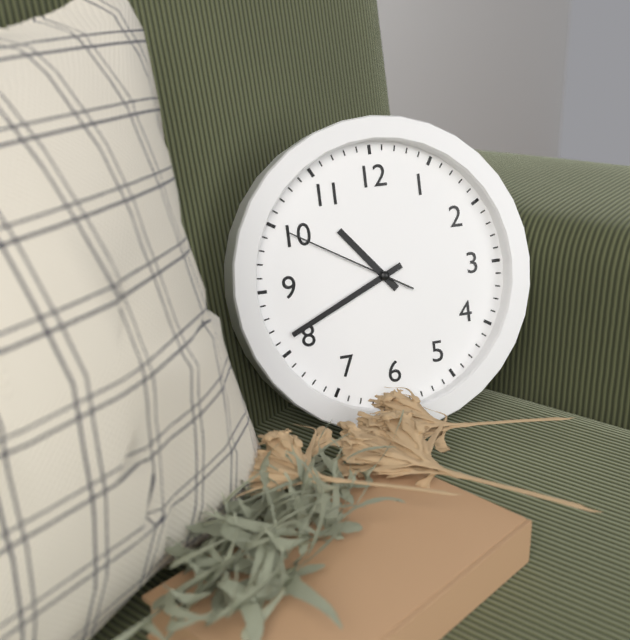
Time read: 10:41:50
